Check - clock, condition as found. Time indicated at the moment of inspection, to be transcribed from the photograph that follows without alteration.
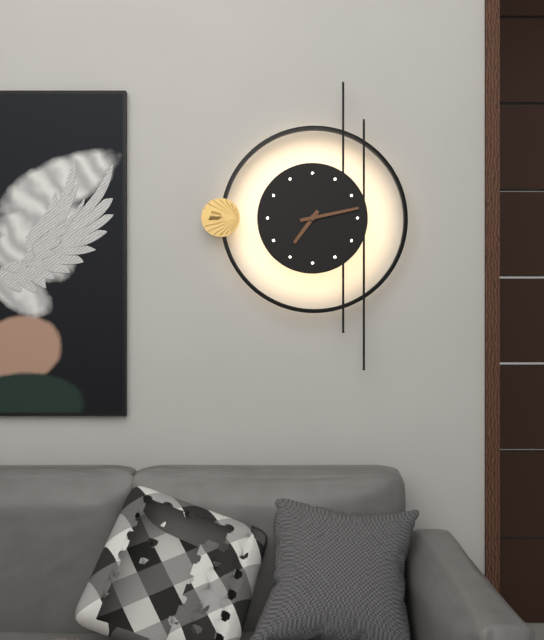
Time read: 7:13
